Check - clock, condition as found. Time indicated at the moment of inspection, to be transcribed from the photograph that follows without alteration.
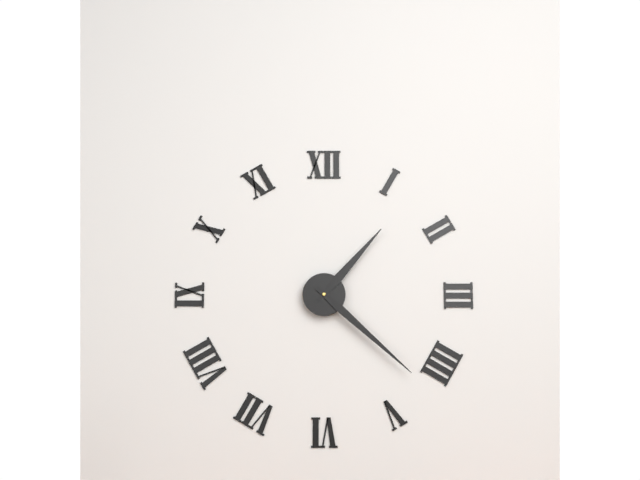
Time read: 1:22
